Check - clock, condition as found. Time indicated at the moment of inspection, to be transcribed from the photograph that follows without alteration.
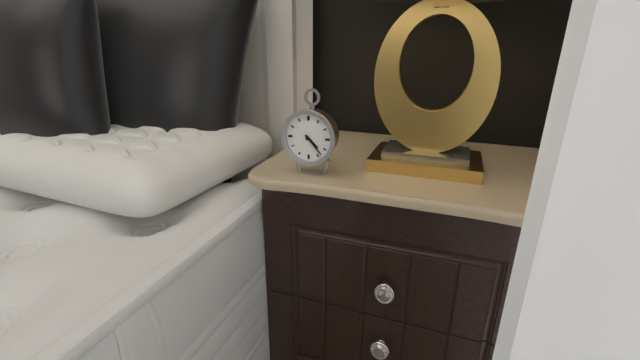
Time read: 4:23
